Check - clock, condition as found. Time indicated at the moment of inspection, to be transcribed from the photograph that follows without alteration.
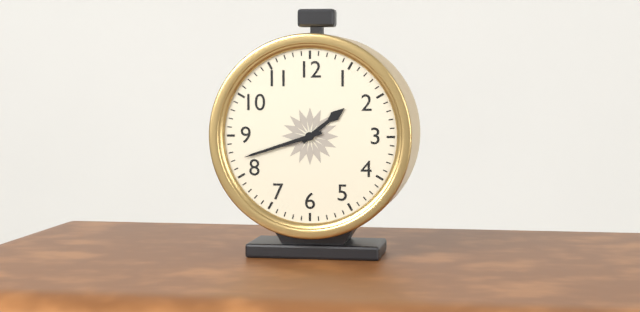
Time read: 1:42
